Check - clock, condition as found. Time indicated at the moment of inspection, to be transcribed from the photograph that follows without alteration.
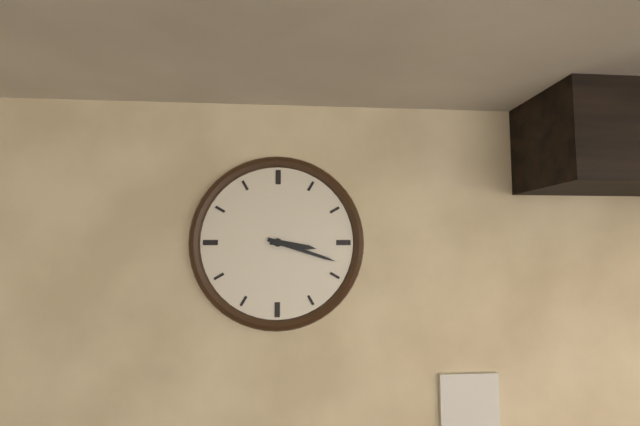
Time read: 3:18
